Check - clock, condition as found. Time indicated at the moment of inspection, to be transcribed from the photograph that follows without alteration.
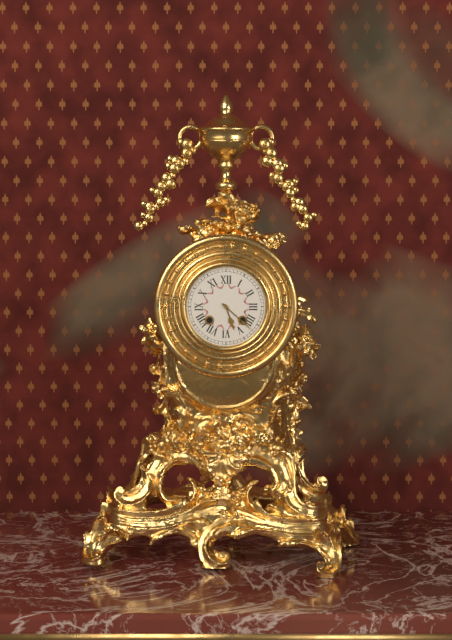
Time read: 5:22
